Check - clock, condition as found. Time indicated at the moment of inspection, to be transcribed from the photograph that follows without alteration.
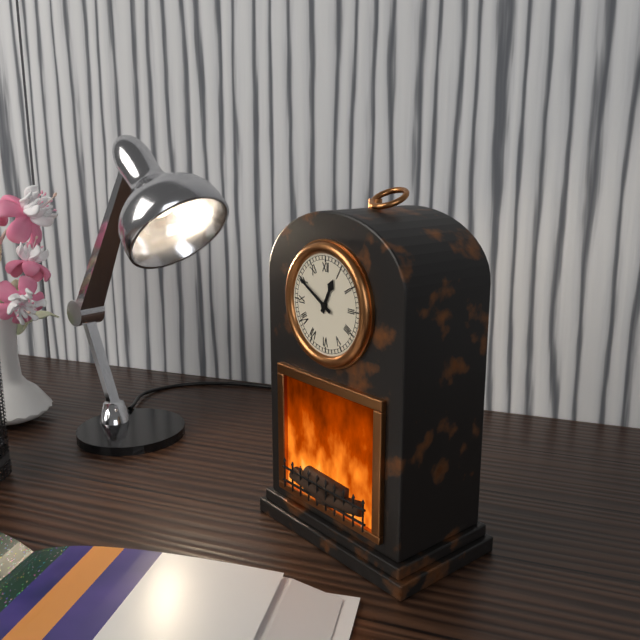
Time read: 12:50
